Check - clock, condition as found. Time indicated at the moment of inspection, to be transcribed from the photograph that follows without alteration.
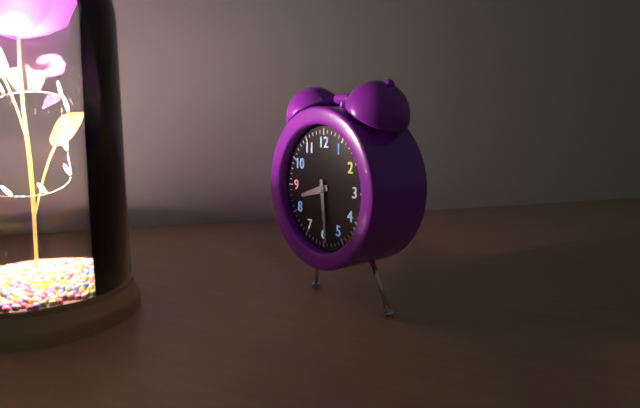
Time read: 8:29
